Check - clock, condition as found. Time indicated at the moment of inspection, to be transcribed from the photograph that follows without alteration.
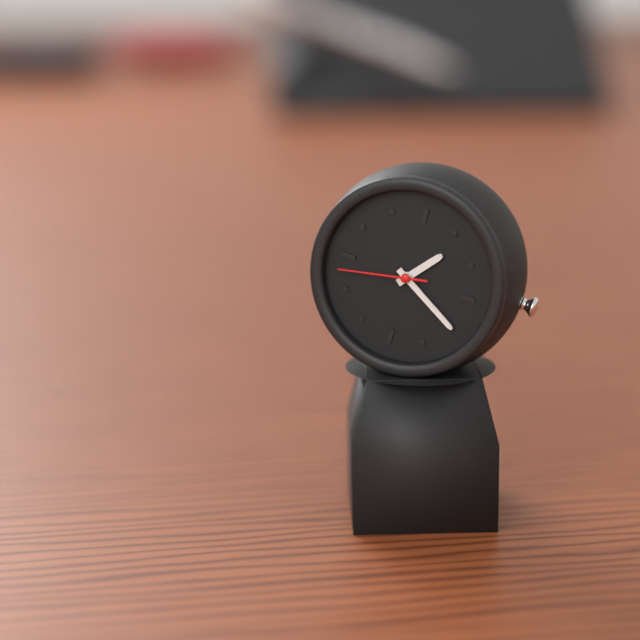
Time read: 1:20:43
